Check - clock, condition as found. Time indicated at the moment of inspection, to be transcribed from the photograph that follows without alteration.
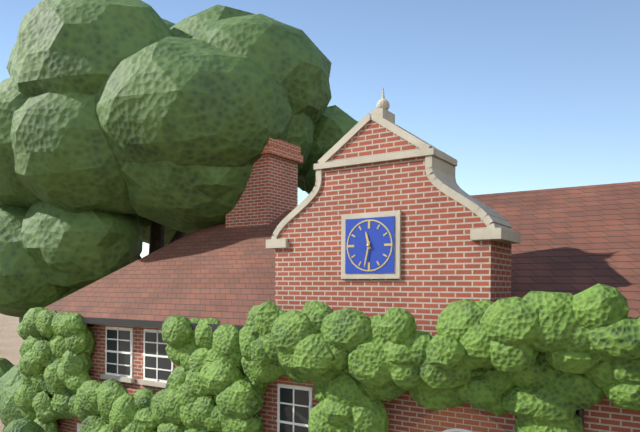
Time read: 11:32
